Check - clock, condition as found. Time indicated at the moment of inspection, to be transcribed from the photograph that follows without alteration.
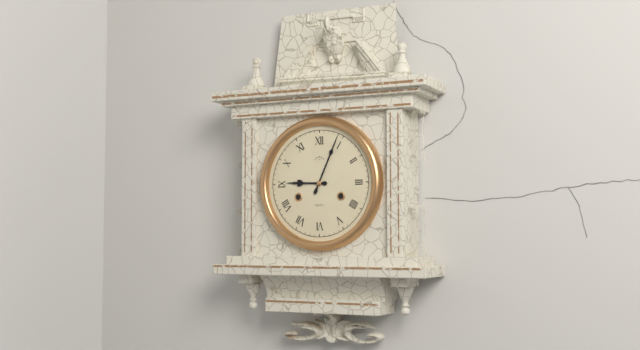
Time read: 9:04
